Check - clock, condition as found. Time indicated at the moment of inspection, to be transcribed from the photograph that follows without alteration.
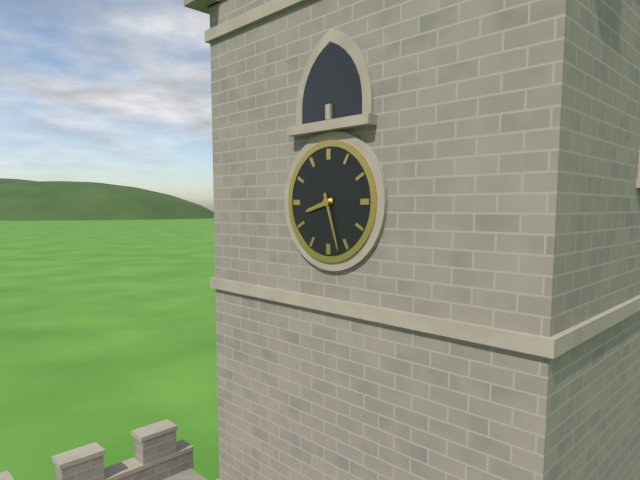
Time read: 8:27
